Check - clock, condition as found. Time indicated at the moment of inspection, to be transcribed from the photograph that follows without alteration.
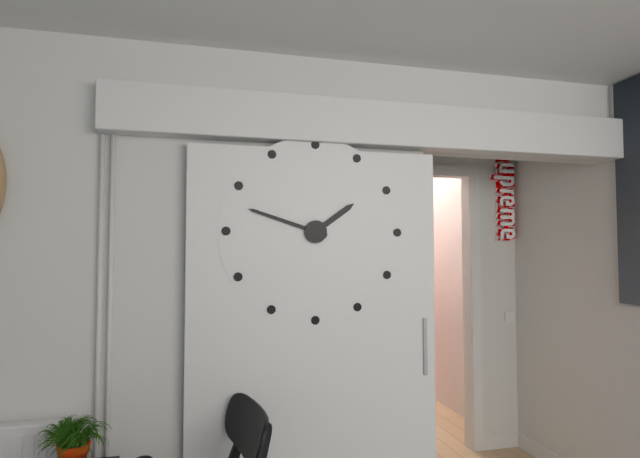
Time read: 1:48
